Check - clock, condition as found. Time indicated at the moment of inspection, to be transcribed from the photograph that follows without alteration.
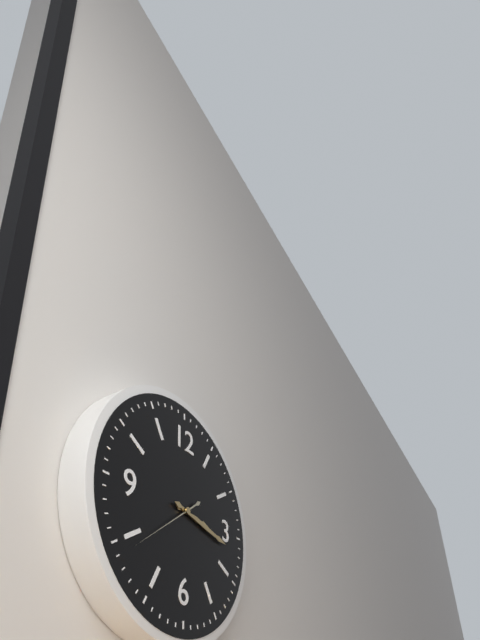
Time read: 3:17:39
